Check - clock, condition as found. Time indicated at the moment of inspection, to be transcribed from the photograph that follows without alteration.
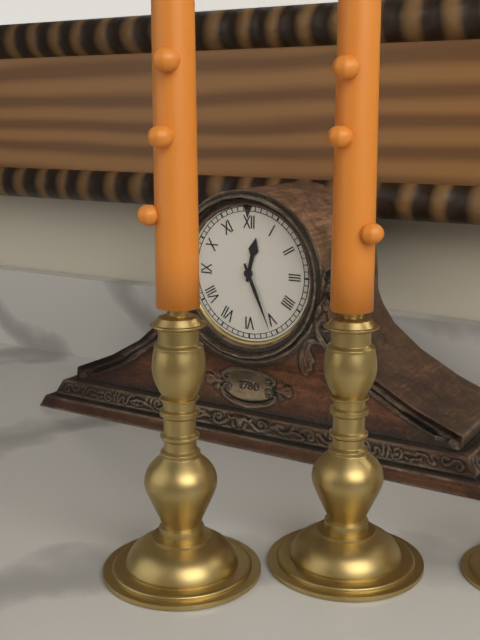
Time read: 12:26
